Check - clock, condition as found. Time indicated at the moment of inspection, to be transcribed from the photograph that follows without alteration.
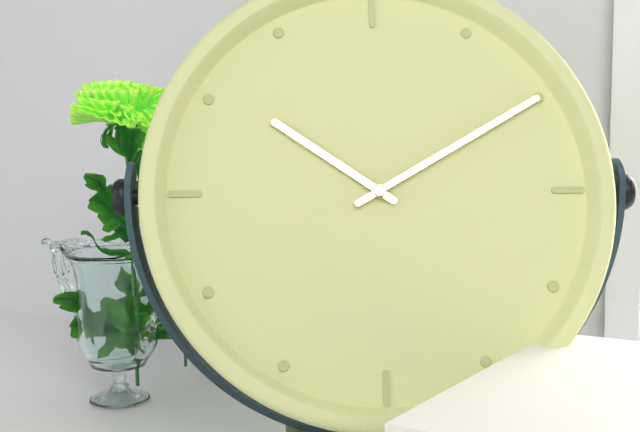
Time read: 10:10
